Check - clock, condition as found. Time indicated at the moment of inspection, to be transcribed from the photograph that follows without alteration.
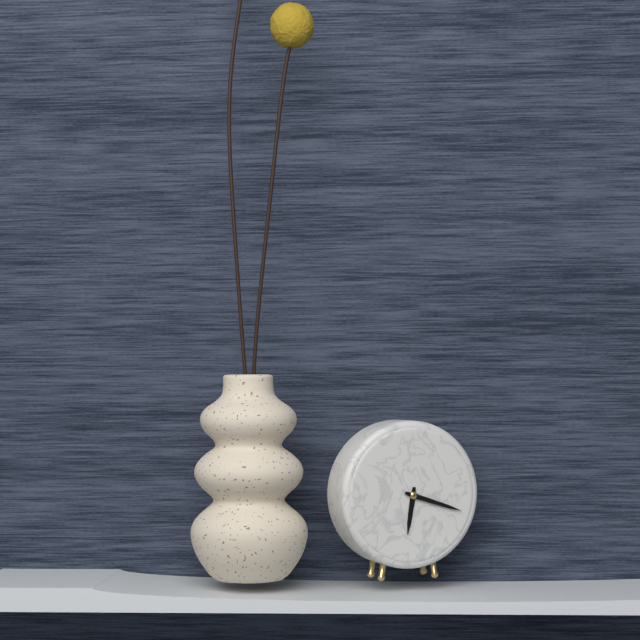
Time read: 6:18
